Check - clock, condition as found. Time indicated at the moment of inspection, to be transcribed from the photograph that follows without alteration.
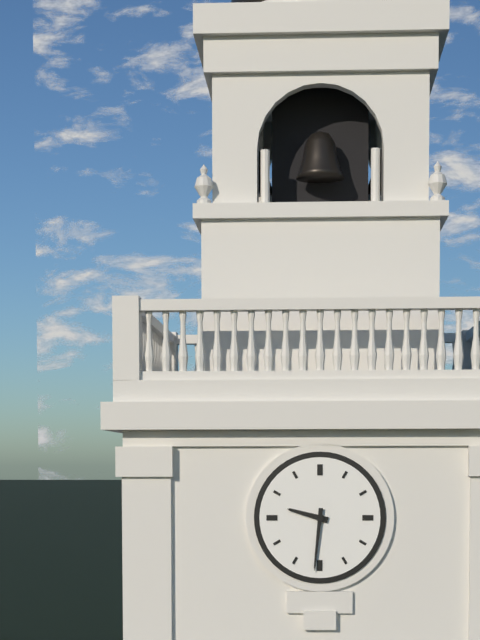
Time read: 9:31
